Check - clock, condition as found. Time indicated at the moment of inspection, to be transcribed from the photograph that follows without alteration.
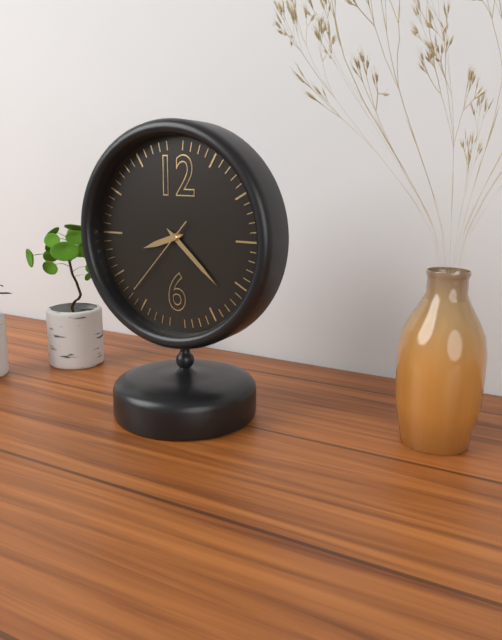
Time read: 8:22:37
